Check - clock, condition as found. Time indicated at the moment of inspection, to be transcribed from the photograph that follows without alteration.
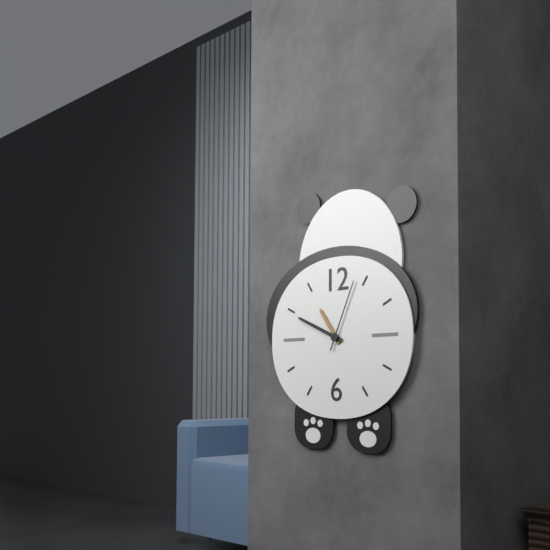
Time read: 10:49:04
